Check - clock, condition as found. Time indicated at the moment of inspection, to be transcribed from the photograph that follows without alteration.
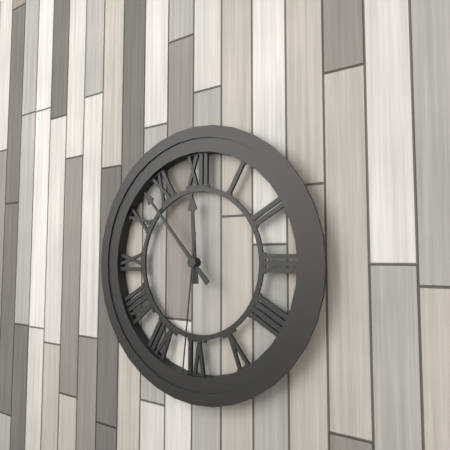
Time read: 11:53:31
